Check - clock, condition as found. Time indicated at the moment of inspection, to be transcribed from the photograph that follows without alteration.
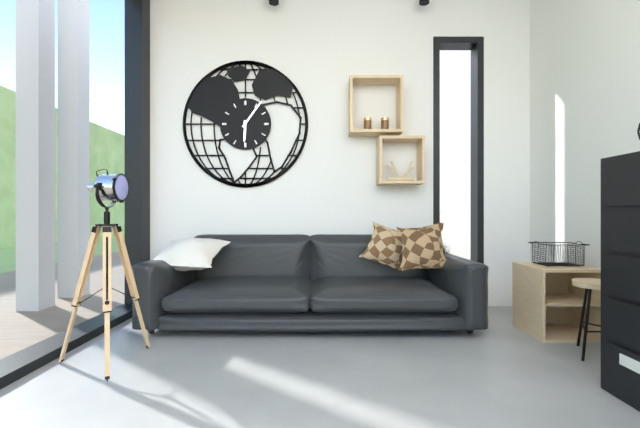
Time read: 6:06
